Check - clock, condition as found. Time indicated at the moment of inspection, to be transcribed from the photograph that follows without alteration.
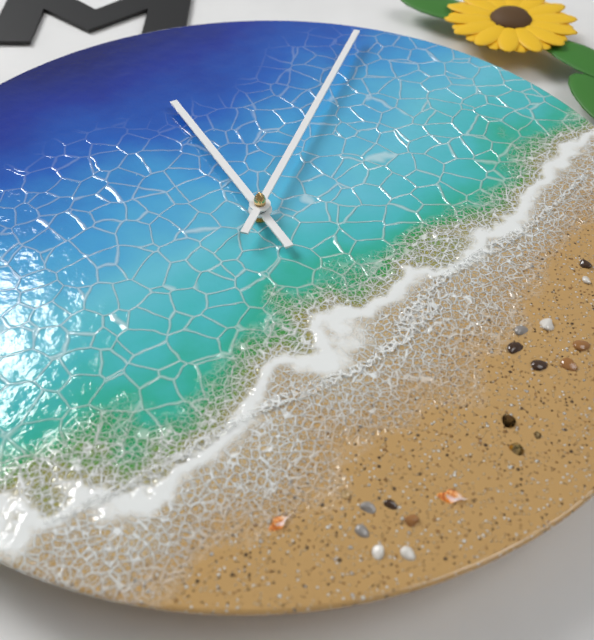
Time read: 11:03
